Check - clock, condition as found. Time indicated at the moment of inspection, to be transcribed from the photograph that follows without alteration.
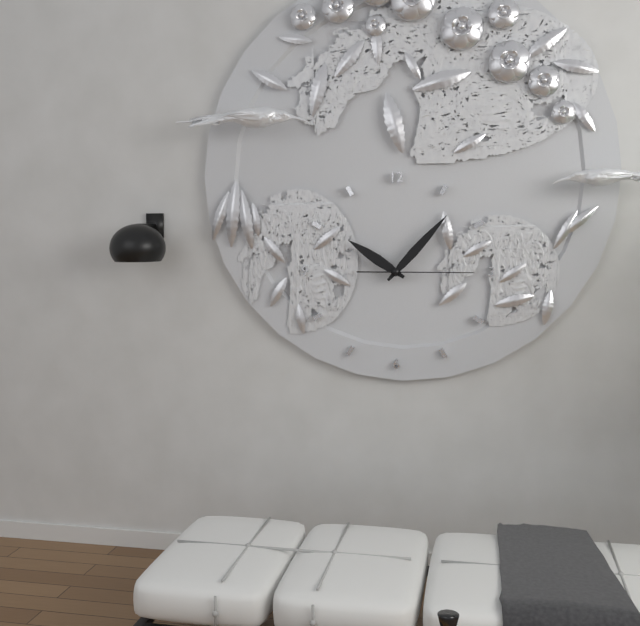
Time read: 10:07:15
